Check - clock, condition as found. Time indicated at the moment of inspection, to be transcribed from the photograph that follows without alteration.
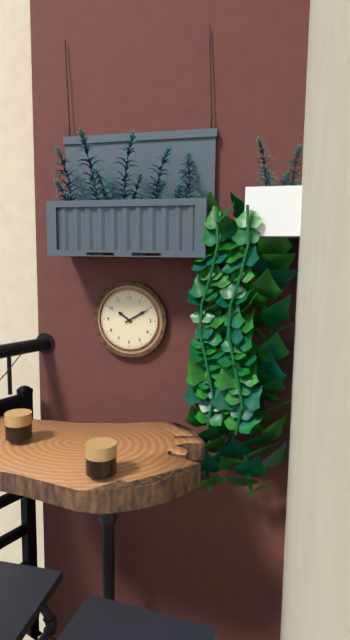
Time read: 10:10
